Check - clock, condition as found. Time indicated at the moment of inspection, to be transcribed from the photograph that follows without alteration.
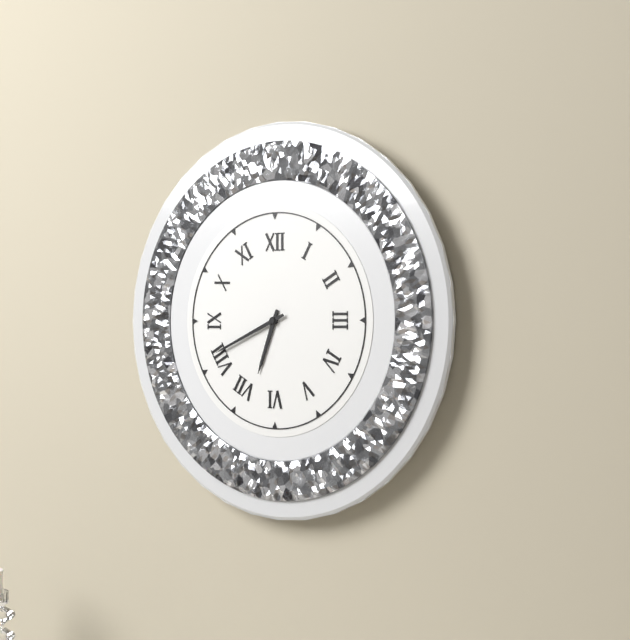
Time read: 6:41
